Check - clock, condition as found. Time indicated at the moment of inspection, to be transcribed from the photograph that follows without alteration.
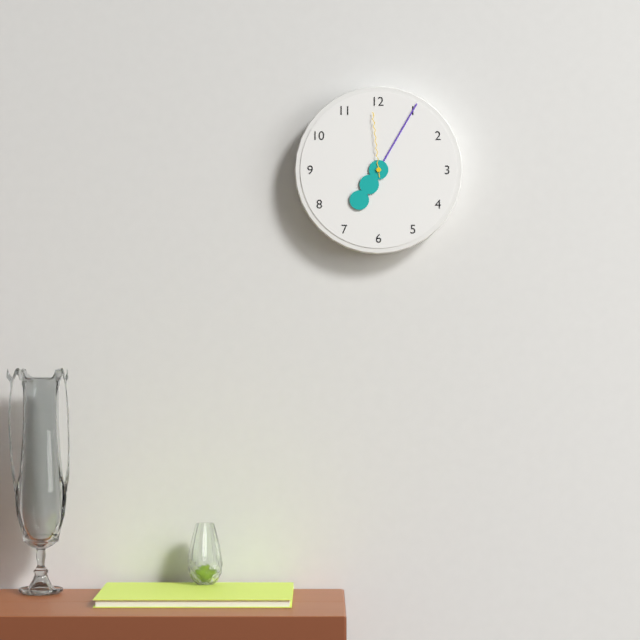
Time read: 7:05:59
